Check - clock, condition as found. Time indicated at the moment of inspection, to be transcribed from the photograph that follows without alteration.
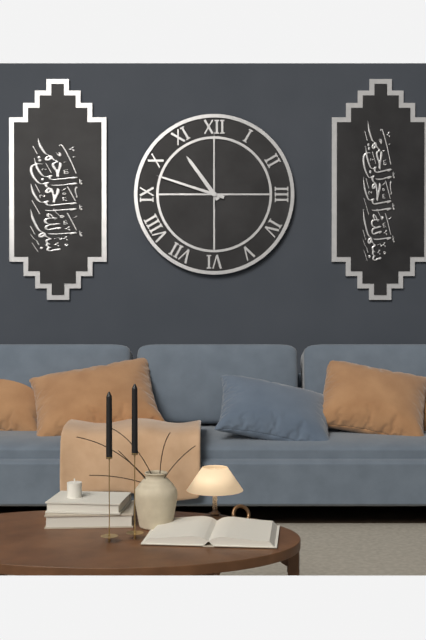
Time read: 10:48:00
